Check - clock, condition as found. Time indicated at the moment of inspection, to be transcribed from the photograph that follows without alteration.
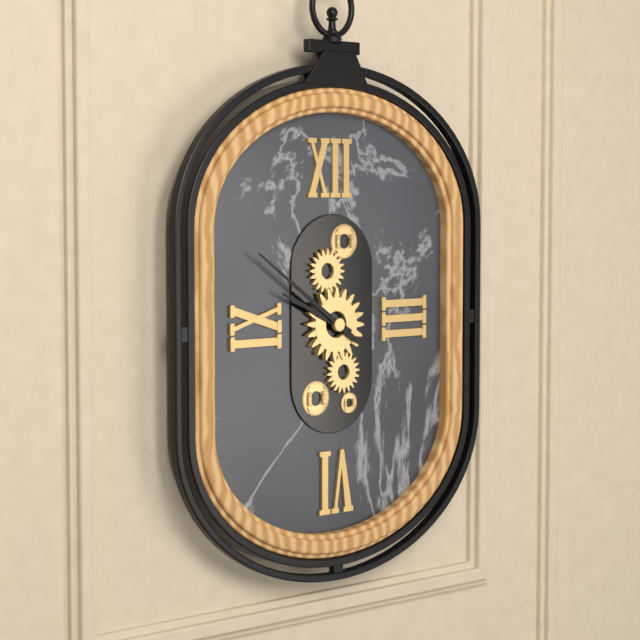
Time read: 9:51
